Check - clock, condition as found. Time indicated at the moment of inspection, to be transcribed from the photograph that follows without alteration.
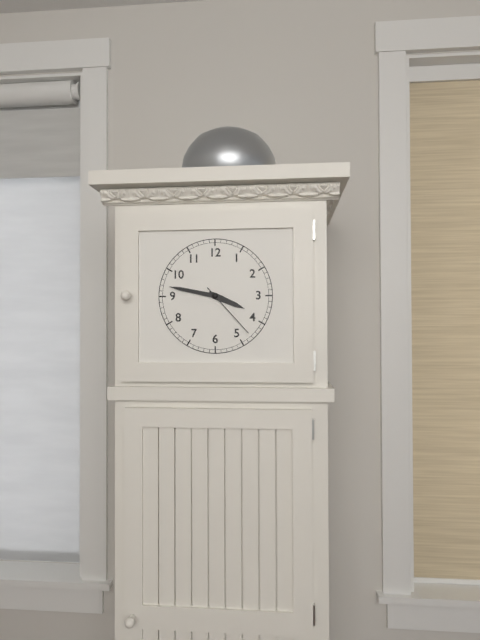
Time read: 3:47:23
